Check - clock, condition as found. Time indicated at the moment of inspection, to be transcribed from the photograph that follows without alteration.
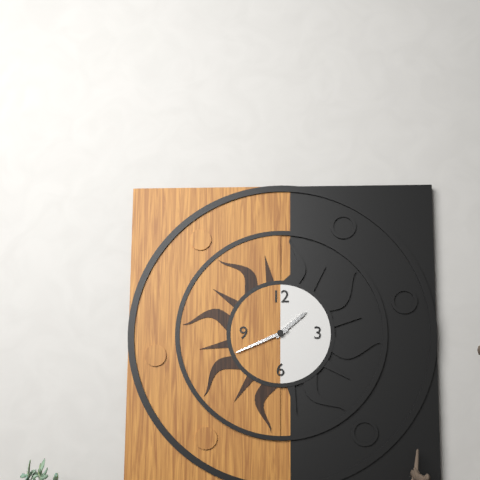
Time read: 1:41
